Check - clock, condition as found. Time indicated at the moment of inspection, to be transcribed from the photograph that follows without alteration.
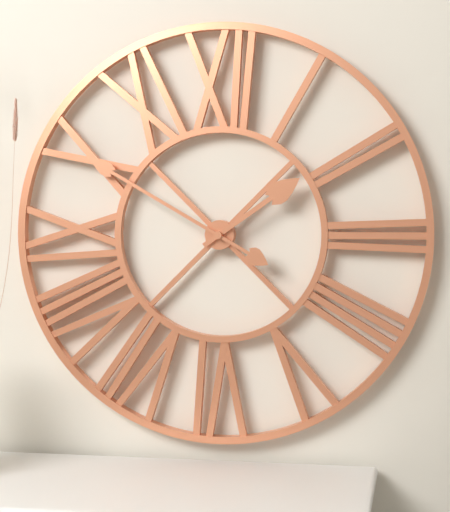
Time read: 1:50
